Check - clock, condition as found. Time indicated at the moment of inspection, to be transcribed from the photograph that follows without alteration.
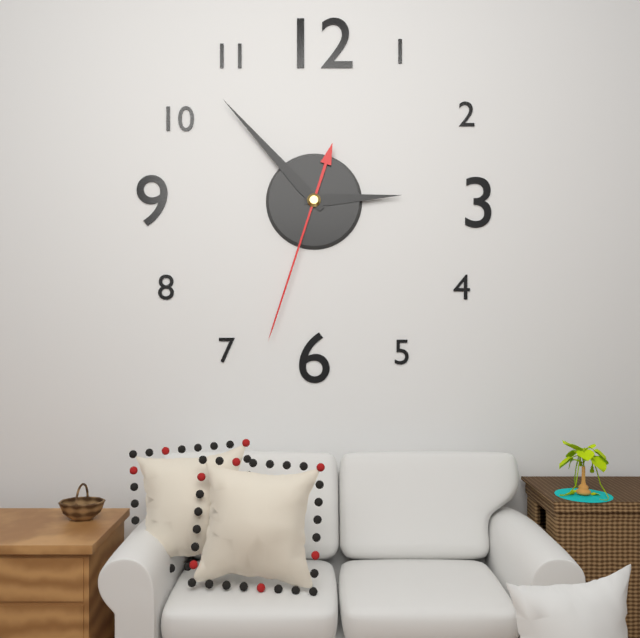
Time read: 2:53:33
